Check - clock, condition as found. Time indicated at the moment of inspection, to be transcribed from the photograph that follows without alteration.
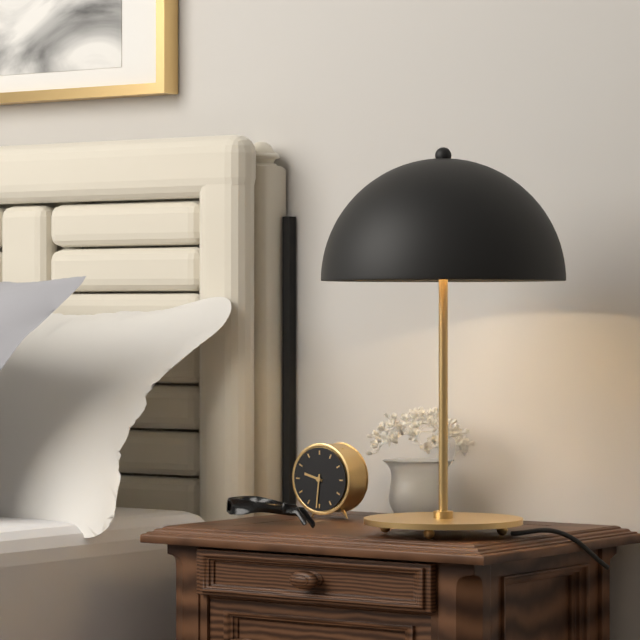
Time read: 9:31
